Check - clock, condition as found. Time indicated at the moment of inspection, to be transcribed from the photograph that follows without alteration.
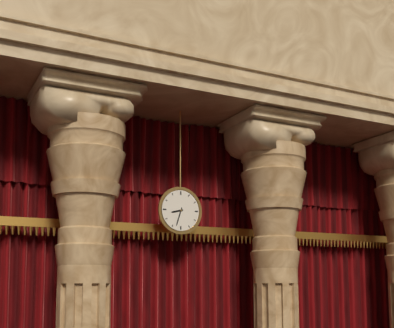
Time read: 8:33
